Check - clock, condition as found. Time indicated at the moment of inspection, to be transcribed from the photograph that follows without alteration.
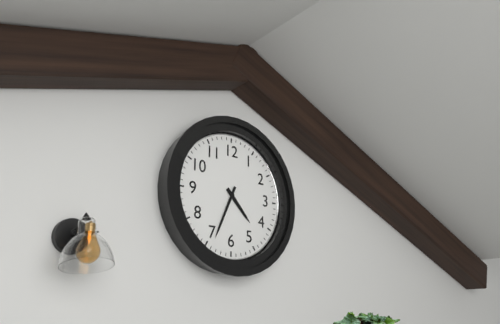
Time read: 4:34
